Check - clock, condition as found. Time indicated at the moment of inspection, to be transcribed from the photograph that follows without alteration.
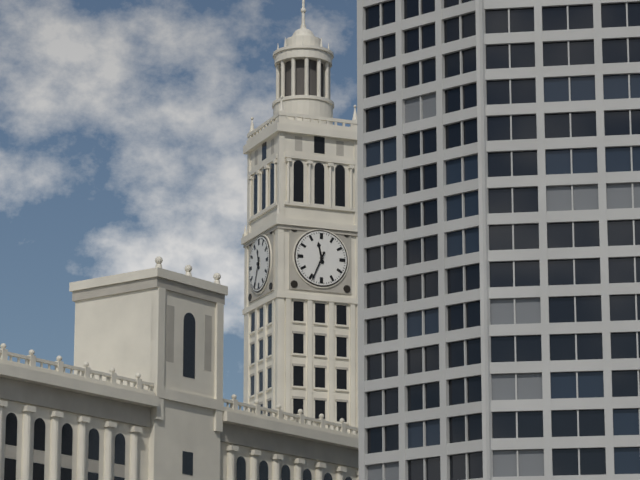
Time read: 11:34
